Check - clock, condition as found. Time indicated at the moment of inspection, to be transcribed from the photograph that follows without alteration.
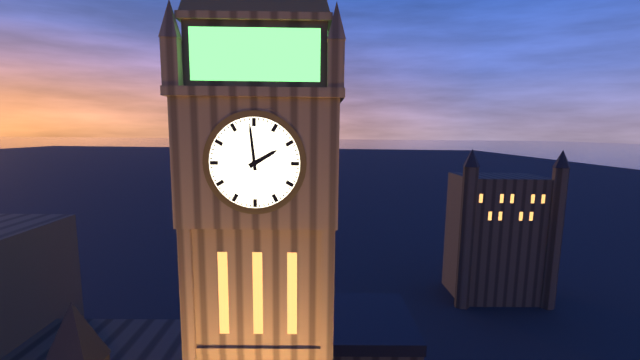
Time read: 1:59
